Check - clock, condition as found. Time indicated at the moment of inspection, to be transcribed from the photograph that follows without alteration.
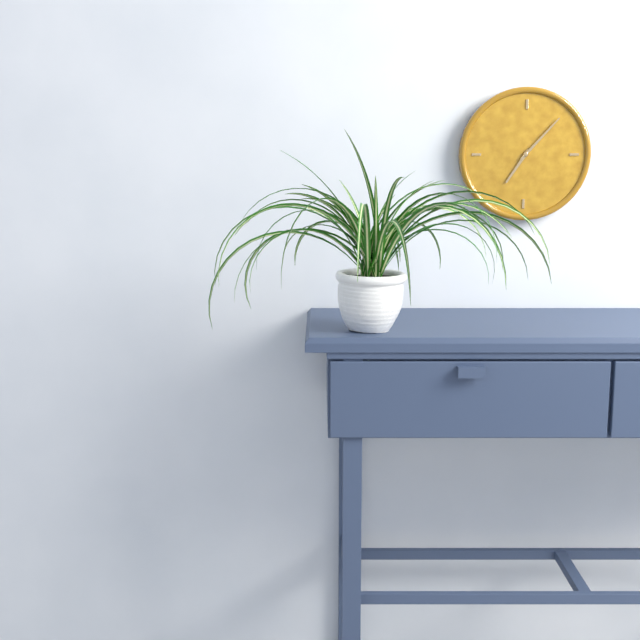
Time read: 7:07
